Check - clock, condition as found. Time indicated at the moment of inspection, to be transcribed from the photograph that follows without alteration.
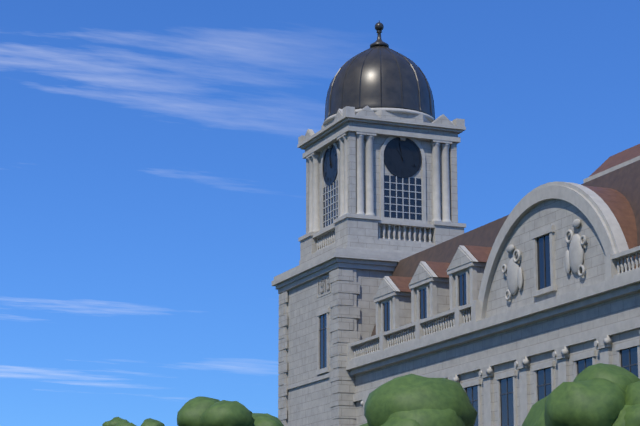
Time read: 10:58
